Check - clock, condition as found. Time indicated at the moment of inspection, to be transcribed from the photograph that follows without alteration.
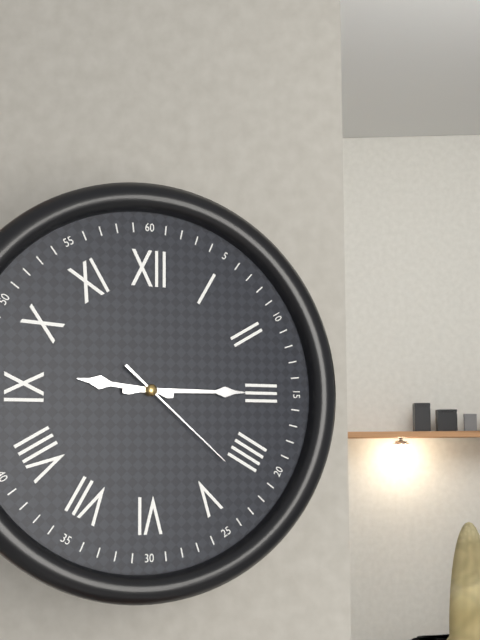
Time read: 9:15:22
